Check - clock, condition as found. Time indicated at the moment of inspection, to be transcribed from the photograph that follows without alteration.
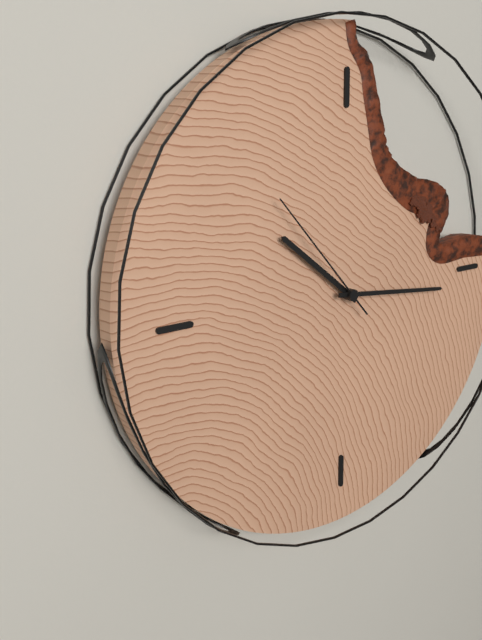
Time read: 10:16:53
